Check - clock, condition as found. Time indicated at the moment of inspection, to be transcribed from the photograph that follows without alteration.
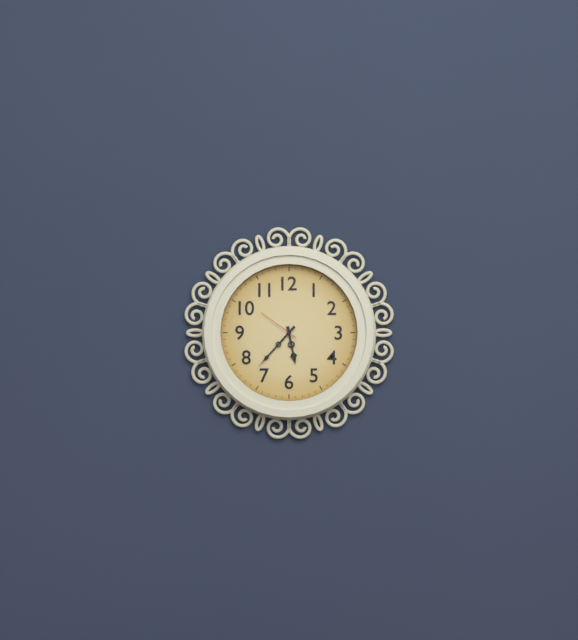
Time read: 5:37
